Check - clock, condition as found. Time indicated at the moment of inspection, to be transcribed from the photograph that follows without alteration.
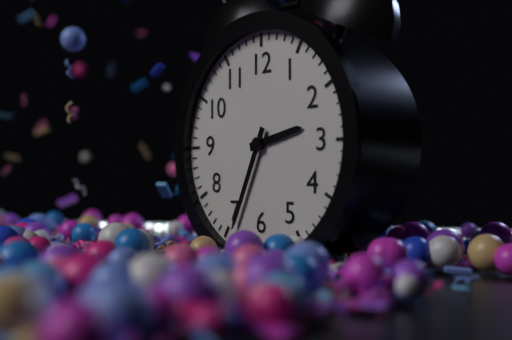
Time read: 2:34
